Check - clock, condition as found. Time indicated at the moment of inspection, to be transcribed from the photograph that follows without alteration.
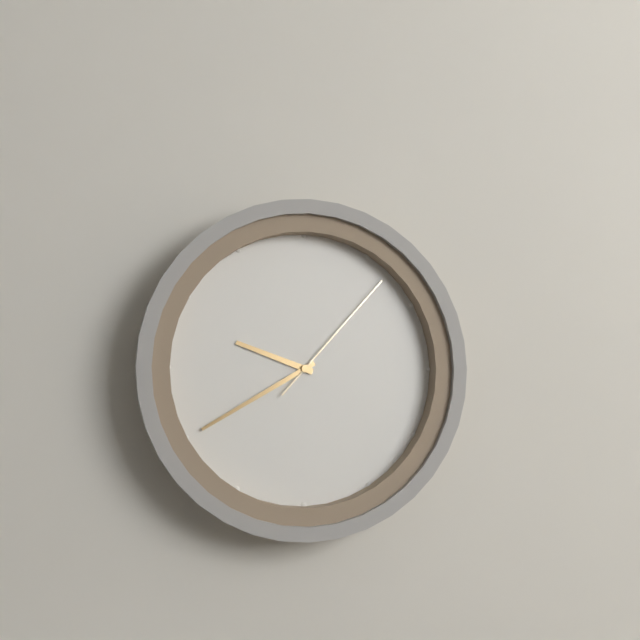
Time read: 9:40:07
